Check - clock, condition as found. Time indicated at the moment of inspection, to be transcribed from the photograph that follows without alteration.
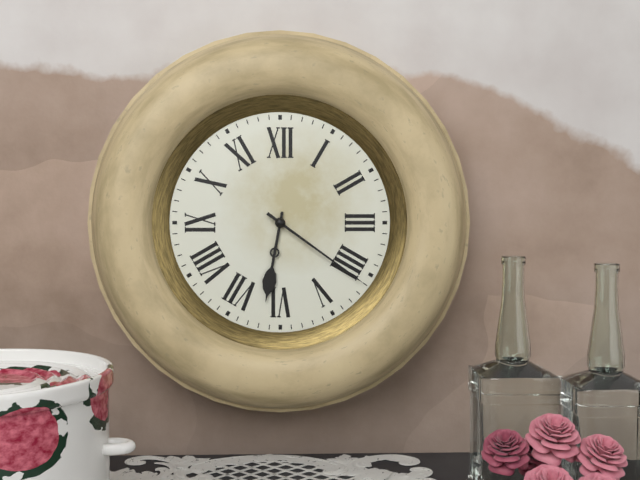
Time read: 6:21
